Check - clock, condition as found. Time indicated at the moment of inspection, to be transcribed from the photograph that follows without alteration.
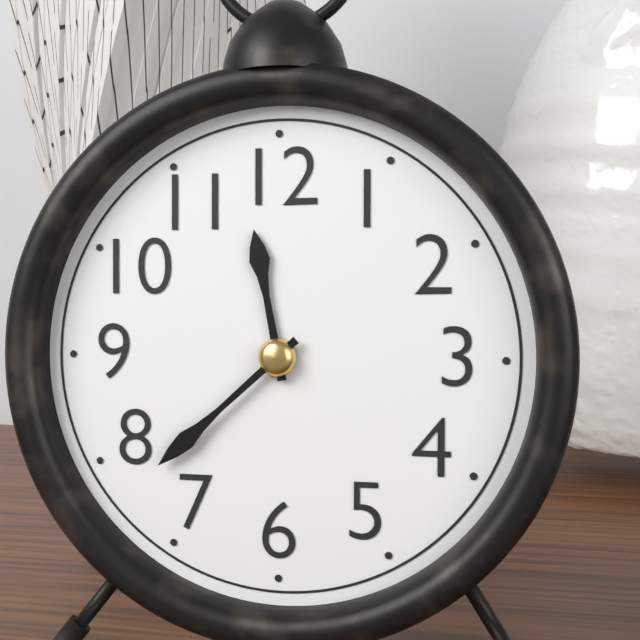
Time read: 11:38
